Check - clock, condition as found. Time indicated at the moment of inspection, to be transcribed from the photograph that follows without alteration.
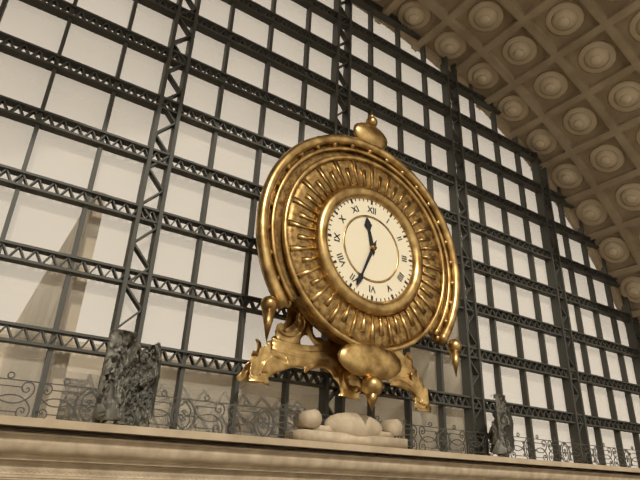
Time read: 11:34
